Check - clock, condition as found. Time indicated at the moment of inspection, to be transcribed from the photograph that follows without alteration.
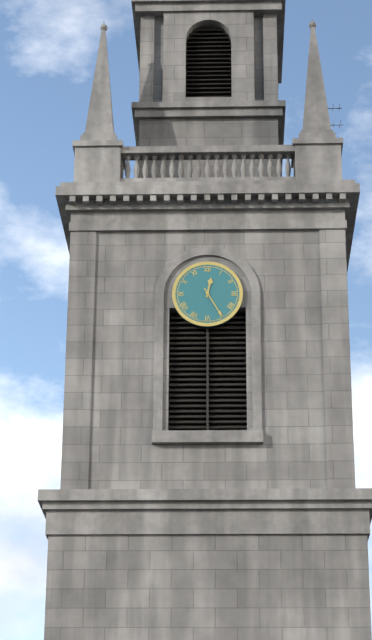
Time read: 12:25
